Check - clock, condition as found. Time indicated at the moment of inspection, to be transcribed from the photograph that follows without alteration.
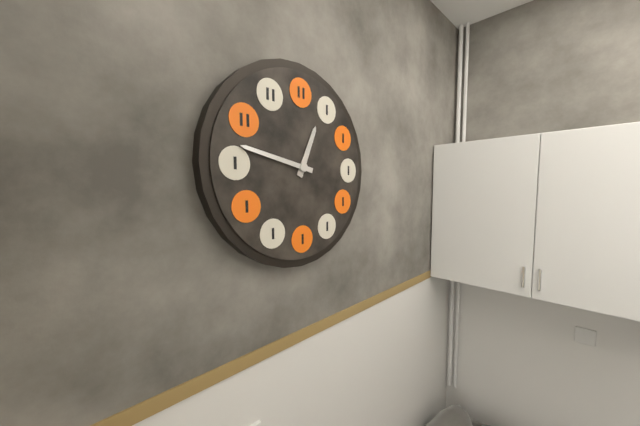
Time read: 12:47
